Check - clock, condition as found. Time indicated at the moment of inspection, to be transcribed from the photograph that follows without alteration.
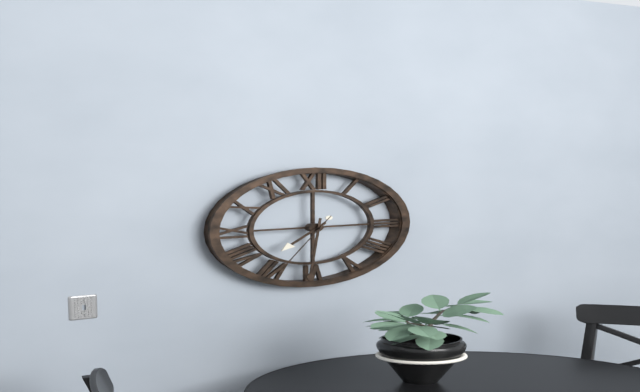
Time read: 7:31:35
